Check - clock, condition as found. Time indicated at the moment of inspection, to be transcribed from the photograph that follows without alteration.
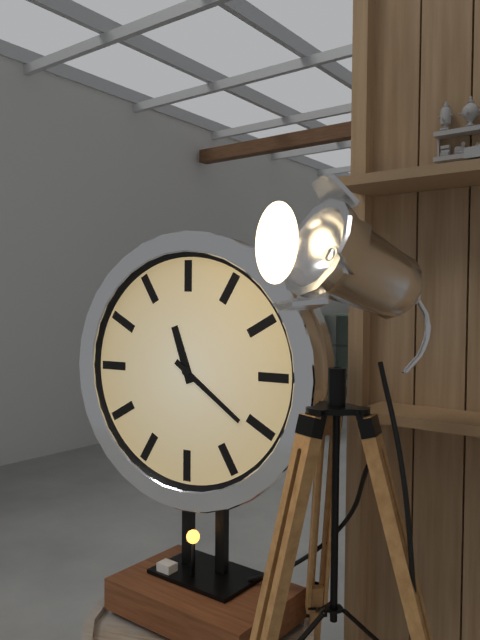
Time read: 11:21
